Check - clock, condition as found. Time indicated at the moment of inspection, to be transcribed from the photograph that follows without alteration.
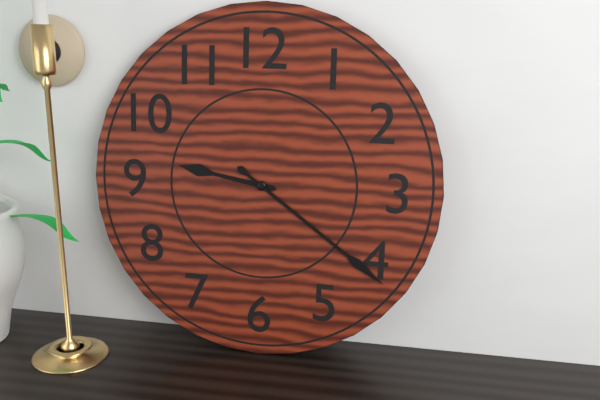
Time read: 9:21
